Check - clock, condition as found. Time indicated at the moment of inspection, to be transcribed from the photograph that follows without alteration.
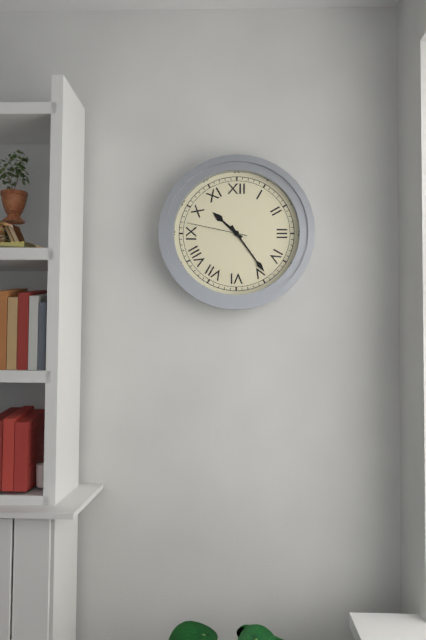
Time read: 10:24:47
